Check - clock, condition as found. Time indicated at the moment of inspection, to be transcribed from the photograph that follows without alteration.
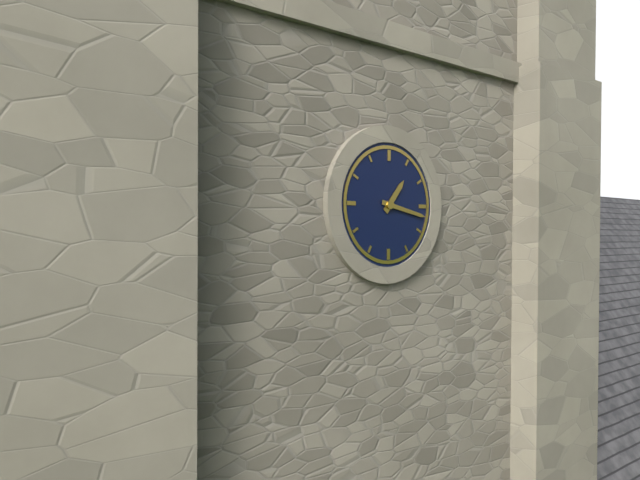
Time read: 1:17
